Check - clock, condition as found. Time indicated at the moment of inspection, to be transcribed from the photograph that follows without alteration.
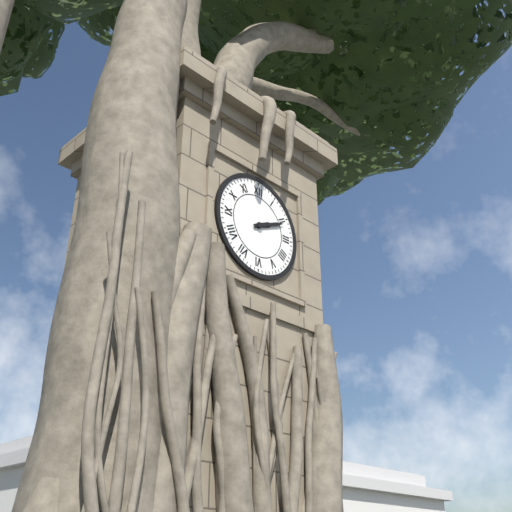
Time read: 2:11
